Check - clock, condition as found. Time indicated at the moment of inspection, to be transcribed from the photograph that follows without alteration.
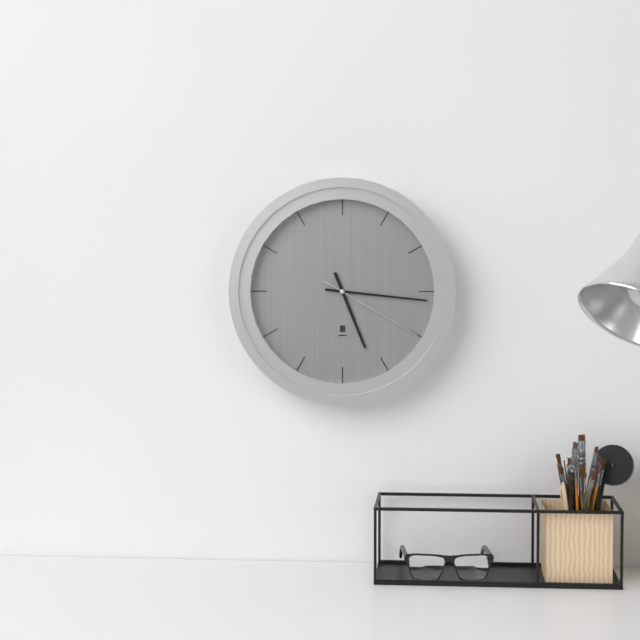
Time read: 5:16:20
